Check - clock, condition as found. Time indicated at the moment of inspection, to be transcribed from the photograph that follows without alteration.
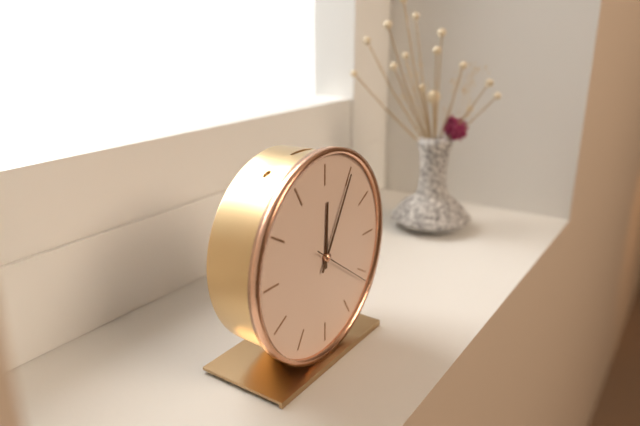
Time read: 12:05:21
